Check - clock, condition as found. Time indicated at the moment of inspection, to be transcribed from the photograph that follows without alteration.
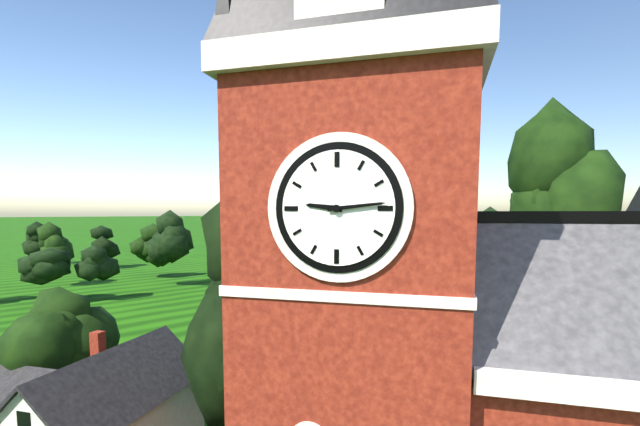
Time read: 9:14
